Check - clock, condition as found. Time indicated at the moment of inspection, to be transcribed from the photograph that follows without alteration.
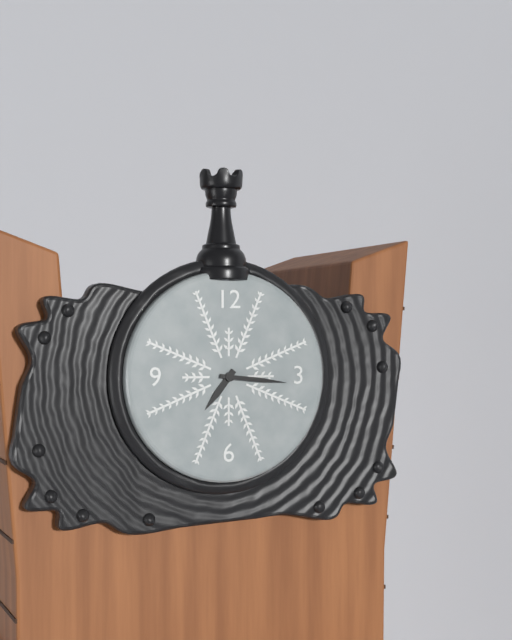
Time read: 7:16
